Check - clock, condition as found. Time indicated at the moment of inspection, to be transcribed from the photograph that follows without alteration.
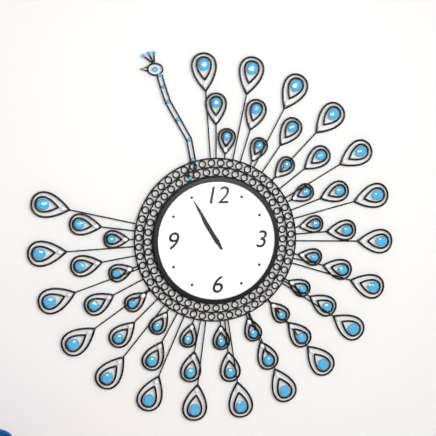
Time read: 10:55
